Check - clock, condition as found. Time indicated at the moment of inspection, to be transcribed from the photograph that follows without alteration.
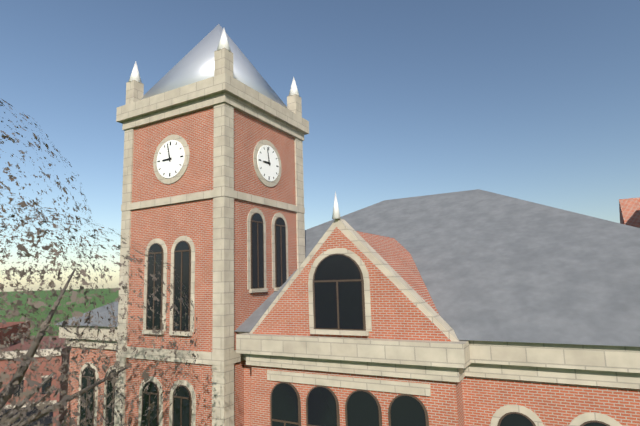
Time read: 8:58
